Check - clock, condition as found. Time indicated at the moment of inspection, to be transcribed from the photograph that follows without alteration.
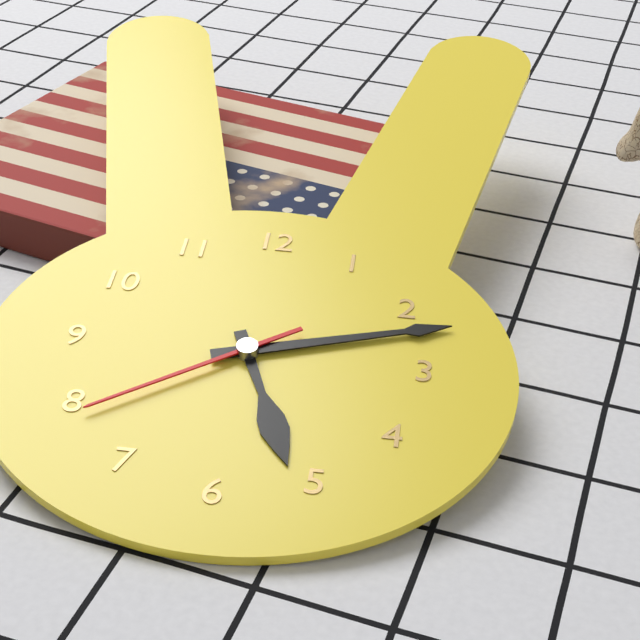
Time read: 5:12:39
